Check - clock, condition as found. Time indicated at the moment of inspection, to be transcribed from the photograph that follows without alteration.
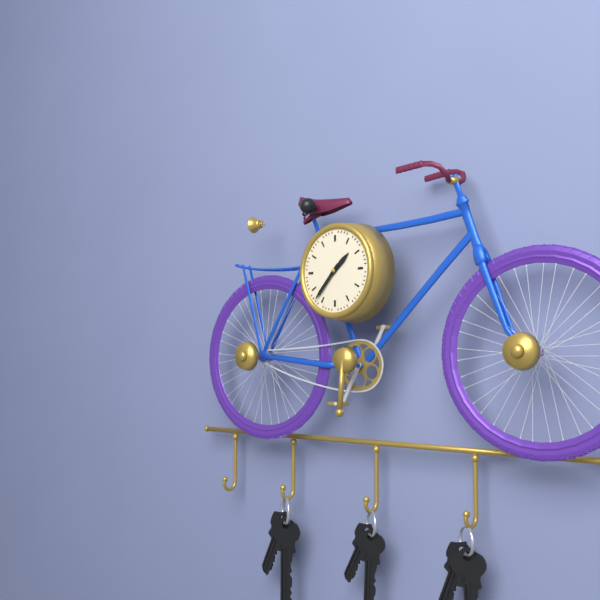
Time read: 1:37
